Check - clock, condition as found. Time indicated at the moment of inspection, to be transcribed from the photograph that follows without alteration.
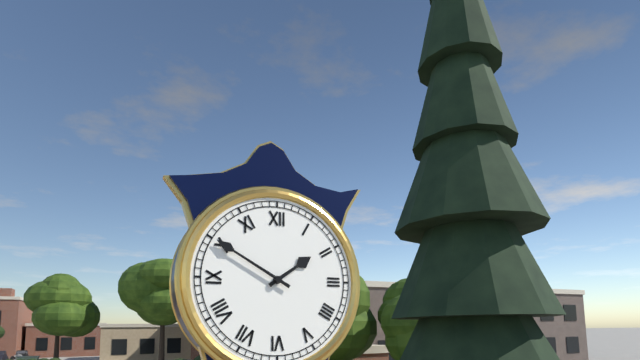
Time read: 1:50
